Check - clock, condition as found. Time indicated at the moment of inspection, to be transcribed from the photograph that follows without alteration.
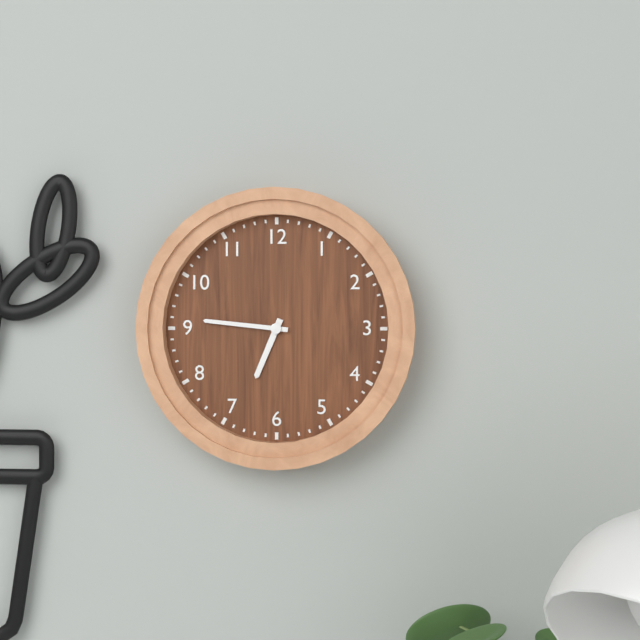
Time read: 6:46
